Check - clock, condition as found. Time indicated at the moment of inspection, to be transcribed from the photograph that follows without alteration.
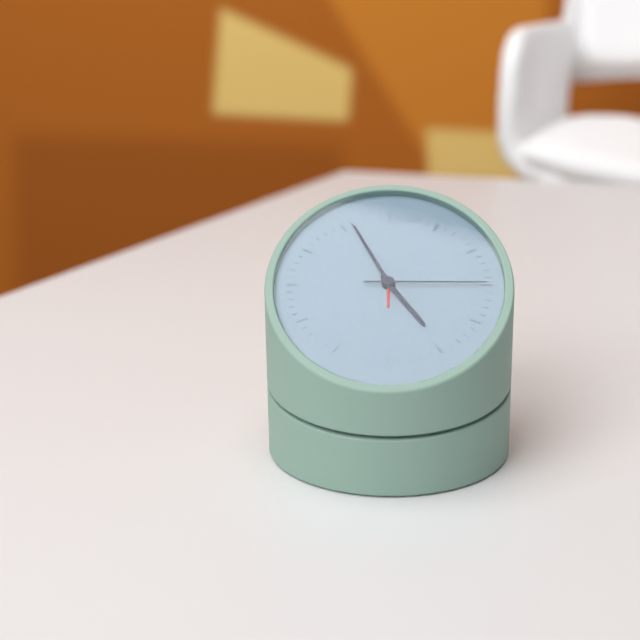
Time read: 4:56:15
